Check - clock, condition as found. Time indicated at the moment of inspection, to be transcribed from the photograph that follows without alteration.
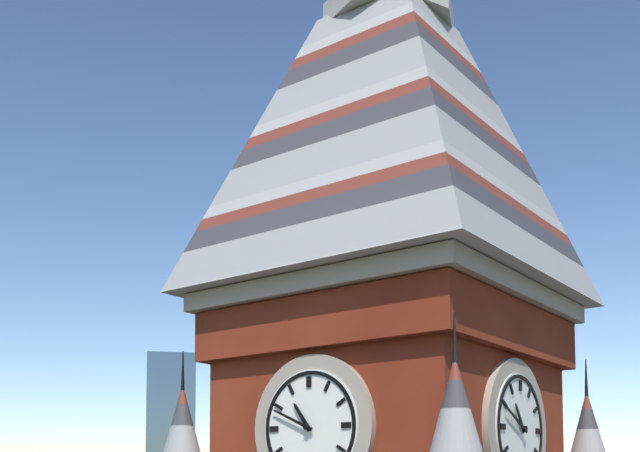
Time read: 10:49
